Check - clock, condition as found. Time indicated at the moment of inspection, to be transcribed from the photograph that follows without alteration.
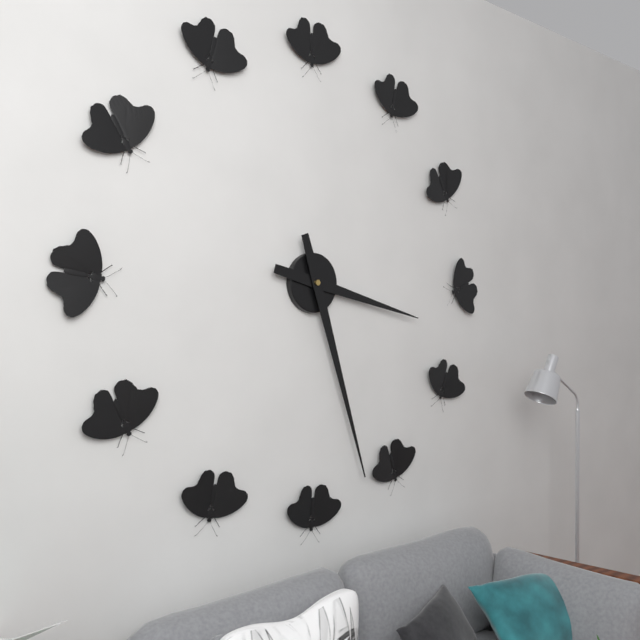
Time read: 3:27
